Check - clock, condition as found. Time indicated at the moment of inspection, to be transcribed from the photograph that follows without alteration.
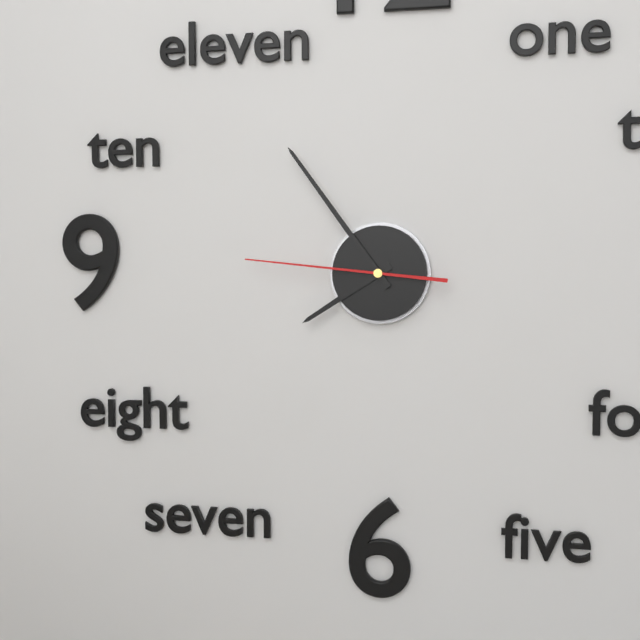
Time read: 7:54:46
